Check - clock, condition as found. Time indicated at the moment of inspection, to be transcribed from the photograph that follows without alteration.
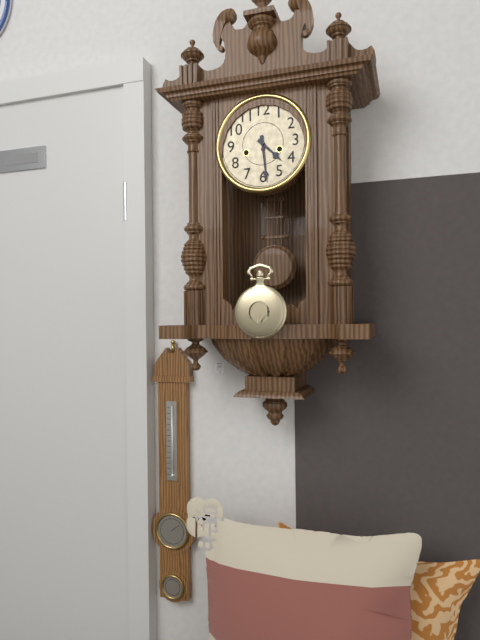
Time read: 4:29
